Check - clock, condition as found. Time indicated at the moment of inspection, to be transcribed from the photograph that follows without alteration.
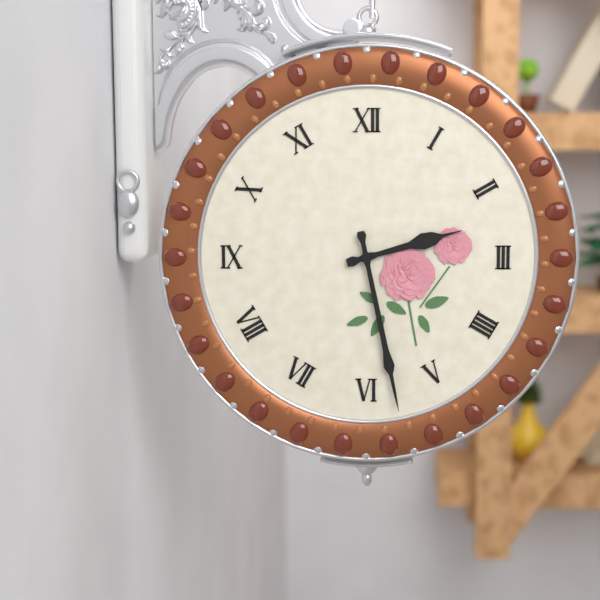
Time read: 2:28
